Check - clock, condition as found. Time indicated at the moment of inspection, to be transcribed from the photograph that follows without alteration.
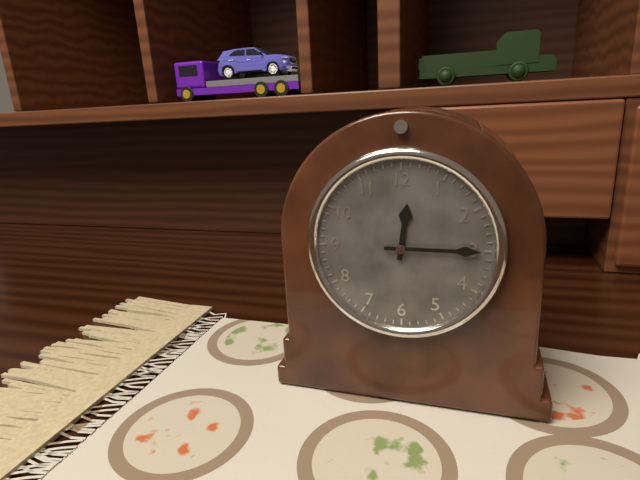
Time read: 12:15
